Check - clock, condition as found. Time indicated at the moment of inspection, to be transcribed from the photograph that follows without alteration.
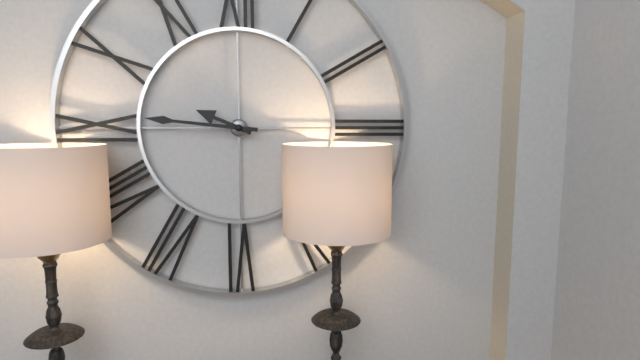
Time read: 9:46
